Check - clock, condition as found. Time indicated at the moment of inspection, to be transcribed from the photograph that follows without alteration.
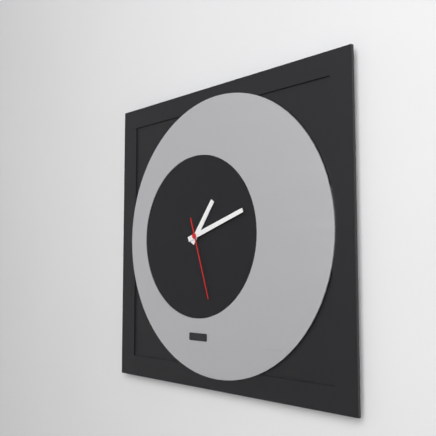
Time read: 1:12:27
